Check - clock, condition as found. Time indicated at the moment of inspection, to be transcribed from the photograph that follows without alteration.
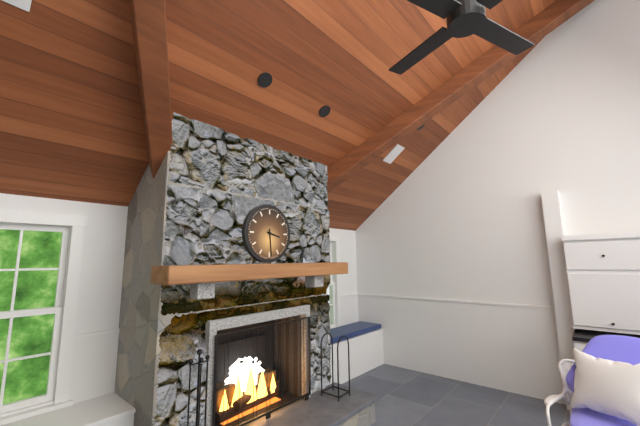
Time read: 3:29
